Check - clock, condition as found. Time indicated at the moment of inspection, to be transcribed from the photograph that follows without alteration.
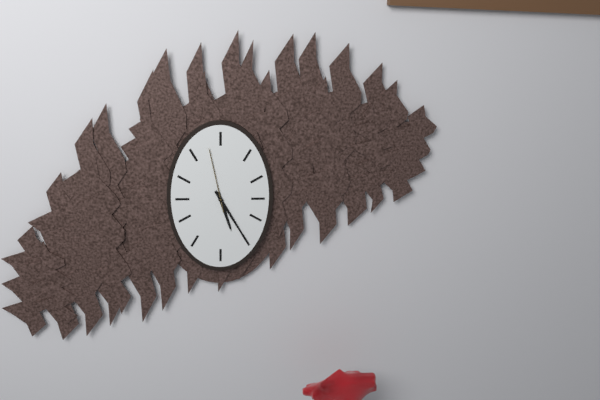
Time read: 5:25:58
